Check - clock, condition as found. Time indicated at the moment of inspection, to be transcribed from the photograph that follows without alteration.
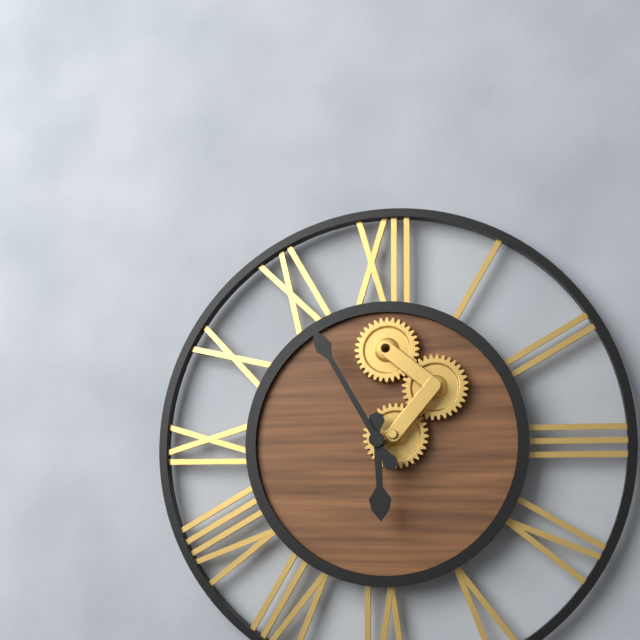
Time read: 5:55
